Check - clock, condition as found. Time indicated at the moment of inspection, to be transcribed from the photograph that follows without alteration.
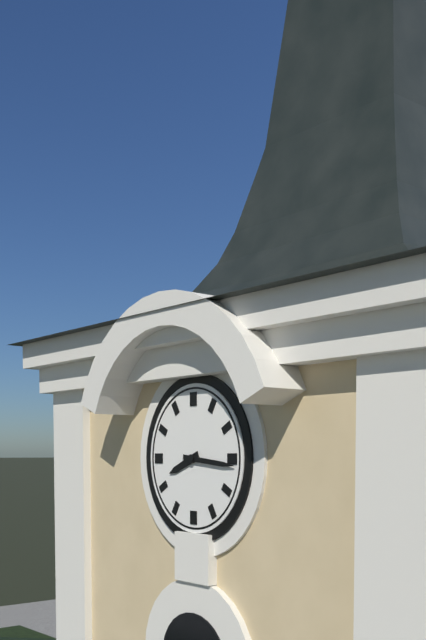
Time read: 8:16
